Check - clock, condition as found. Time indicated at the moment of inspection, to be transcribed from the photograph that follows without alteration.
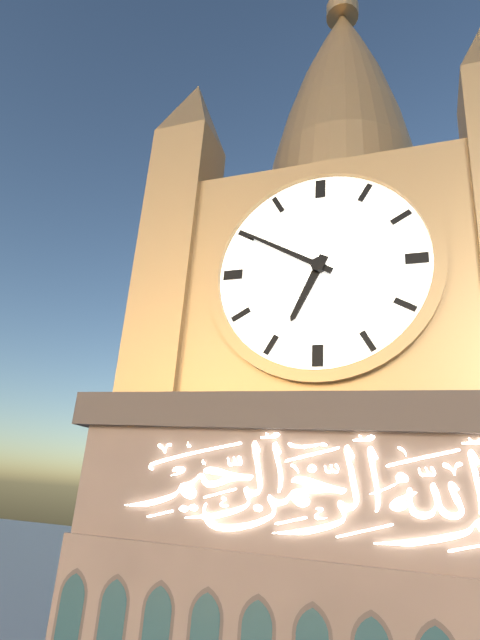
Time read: 6:50
